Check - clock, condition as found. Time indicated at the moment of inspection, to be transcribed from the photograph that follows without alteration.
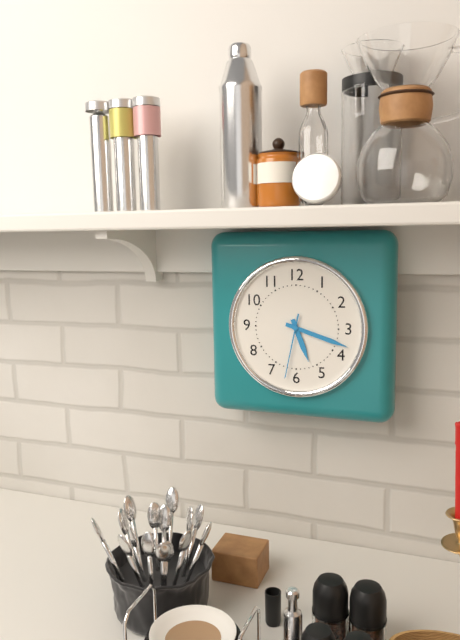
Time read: 5:18:32
